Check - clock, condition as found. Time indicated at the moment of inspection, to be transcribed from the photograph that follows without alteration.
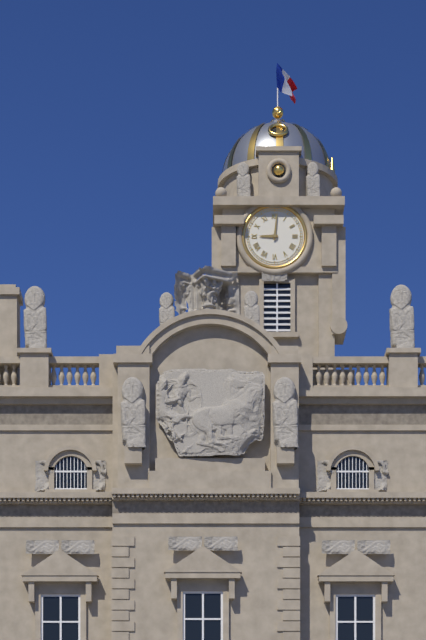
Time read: 9:01
